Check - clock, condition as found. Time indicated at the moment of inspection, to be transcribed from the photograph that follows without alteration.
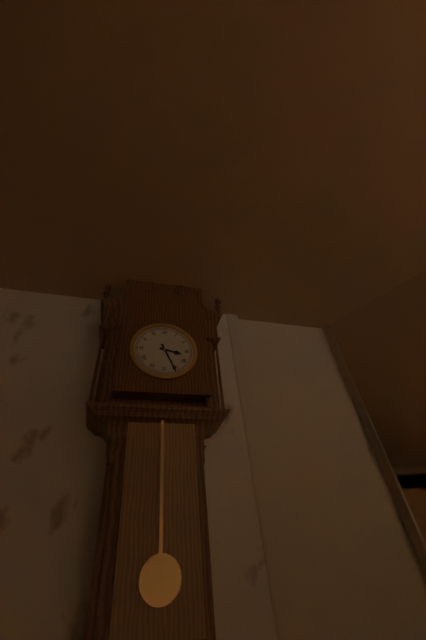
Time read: 3:26
